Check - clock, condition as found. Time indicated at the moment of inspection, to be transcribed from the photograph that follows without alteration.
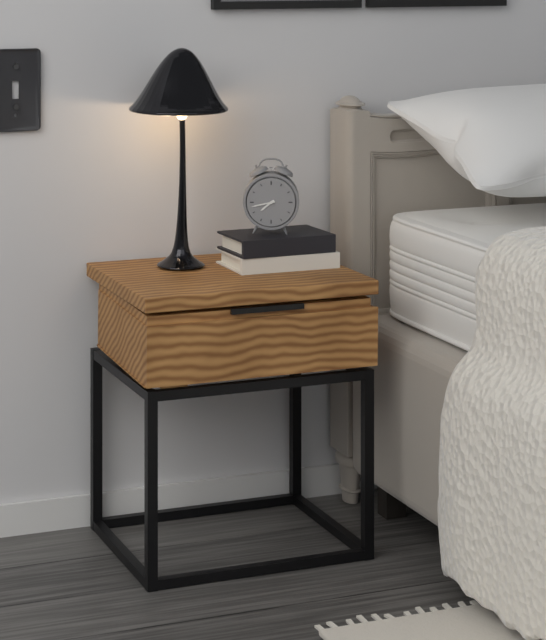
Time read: 7:43
